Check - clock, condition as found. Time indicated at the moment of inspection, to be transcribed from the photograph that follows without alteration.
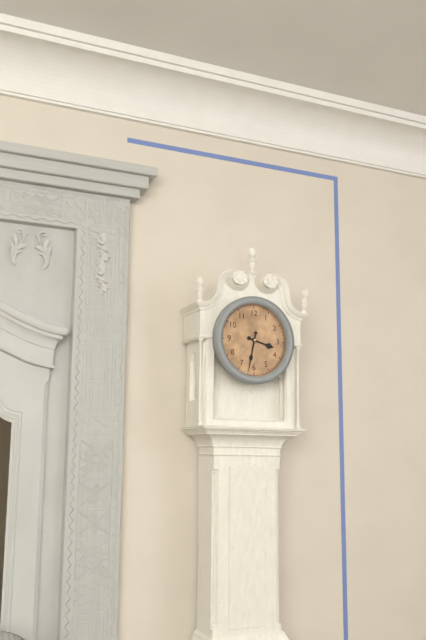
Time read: 3:32
